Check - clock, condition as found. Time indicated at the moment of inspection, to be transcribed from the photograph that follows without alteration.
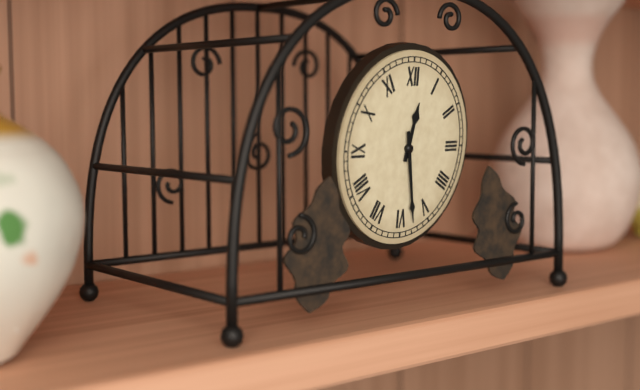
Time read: 12:28
